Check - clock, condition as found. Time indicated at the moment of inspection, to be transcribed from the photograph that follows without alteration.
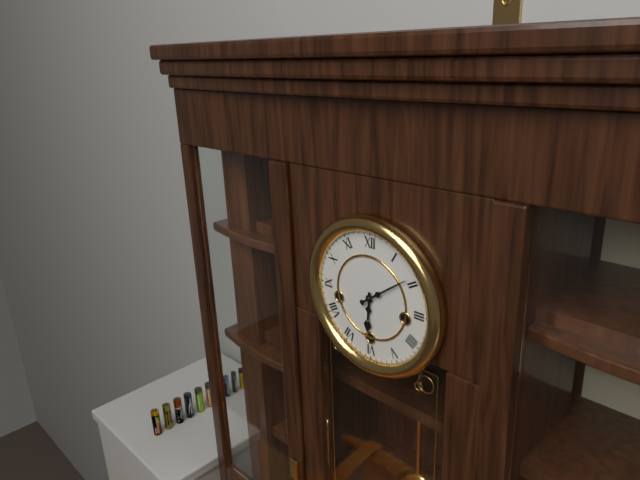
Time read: 6:09
